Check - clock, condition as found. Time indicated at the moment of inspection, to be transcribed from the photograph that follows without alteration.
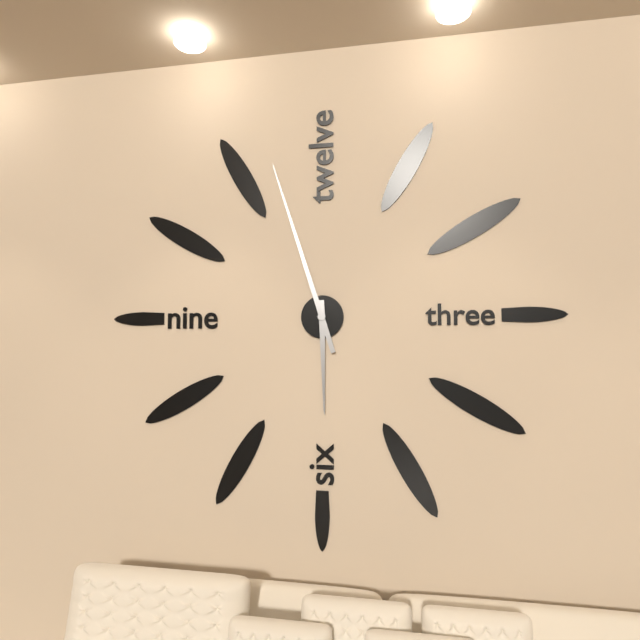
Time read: 5:57
